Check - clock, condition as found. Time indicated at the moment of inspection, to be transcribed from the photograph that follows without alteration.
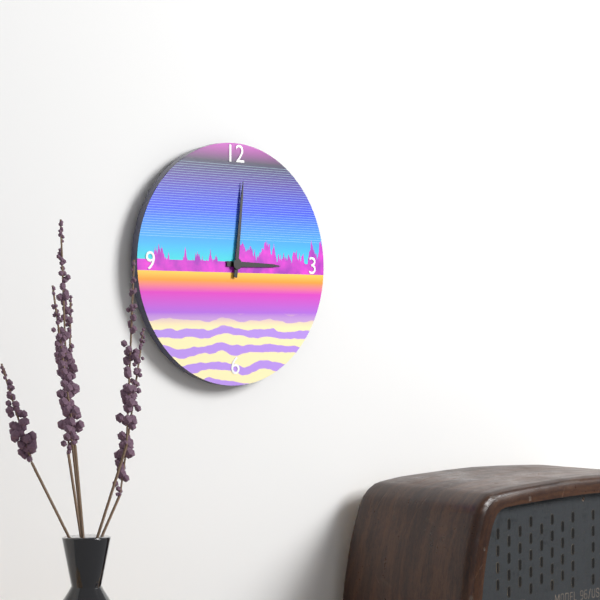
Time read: 3:01
